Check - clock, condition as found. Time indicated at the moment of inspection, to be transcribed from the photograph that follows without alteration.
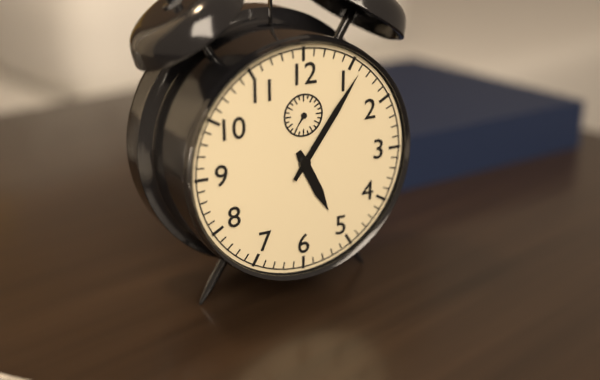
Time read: 5:06
